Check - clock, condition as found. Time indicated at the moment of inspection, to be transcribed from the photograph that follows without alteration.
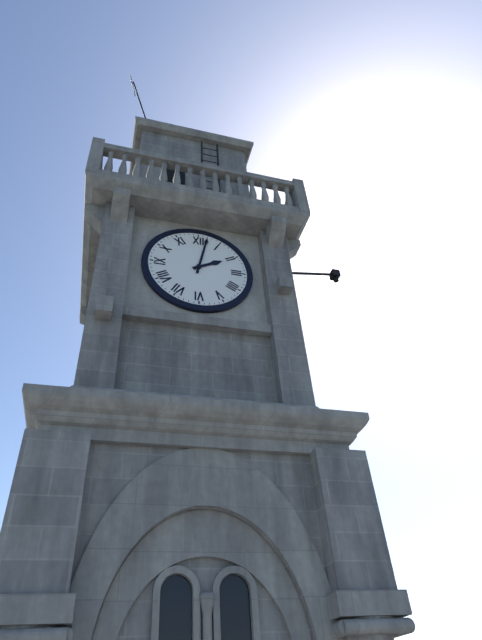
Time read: 2:02
